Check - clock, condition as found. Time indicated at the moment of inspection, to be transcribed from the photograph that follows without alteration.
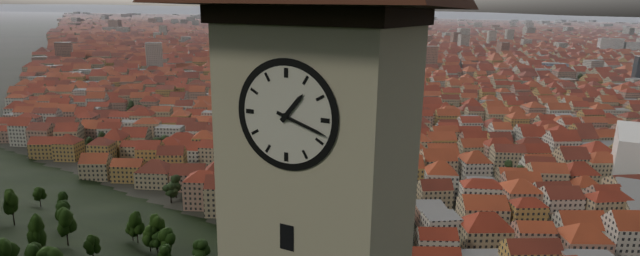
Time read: 1:18
